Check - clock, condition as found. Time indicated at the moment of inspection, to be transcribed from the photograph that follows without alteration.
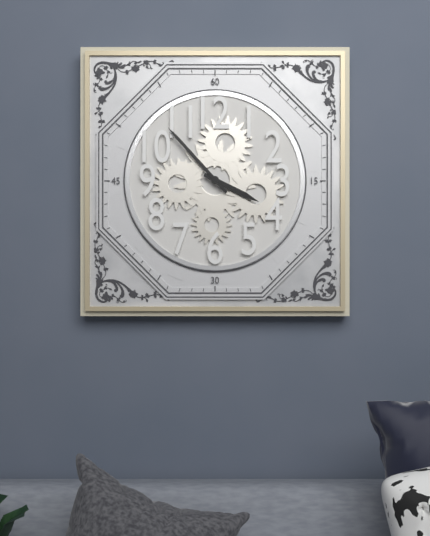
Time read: 3:53
